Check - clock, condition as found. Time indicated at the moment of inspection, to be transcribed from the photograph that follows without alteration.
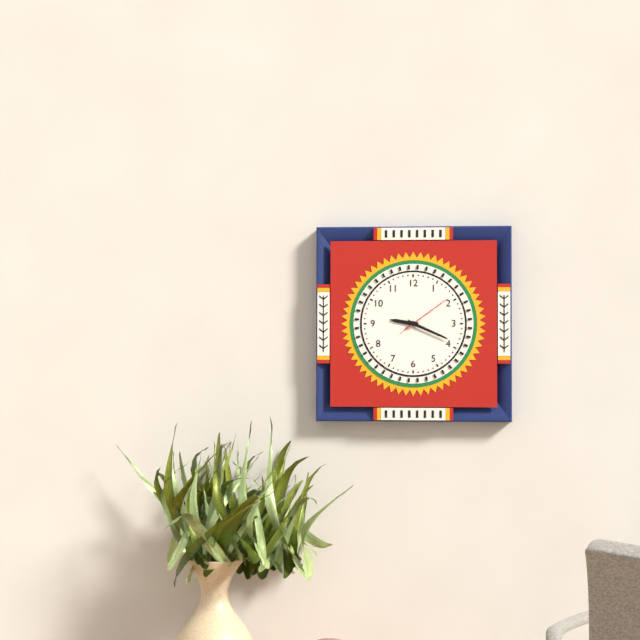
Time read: 9:19:09
